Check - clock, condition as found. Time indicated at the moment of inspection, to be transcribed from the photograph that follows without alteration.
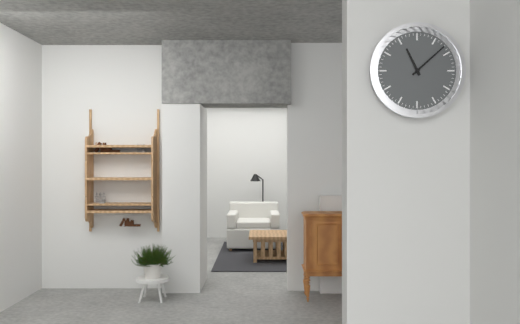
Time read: 11:08
